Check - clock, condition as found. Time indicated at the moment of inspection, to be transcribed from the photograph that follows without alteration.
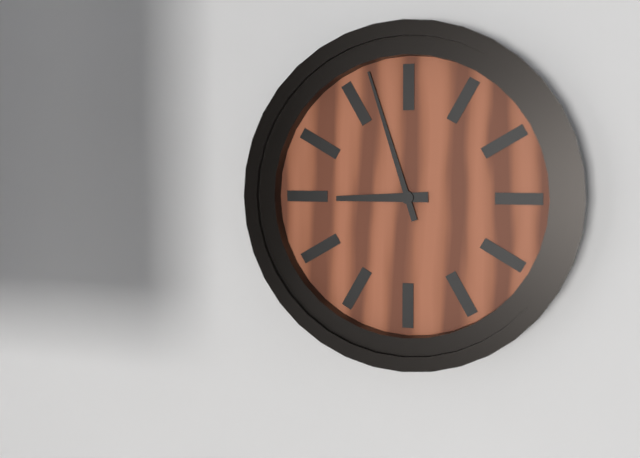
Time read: 8:57
